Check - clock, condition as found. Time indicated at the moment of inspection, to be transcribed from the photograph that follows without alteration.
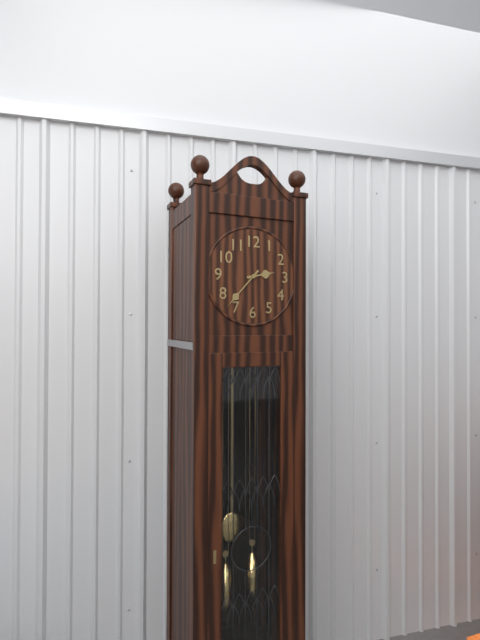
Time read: 2:37
